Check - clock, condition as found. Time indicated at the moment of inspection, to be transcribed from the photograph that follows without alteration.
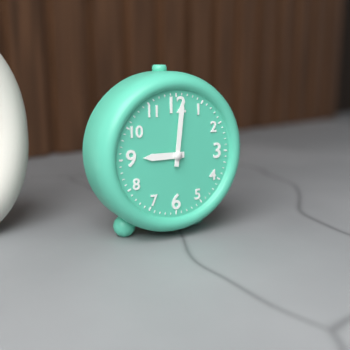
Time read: 9:01
